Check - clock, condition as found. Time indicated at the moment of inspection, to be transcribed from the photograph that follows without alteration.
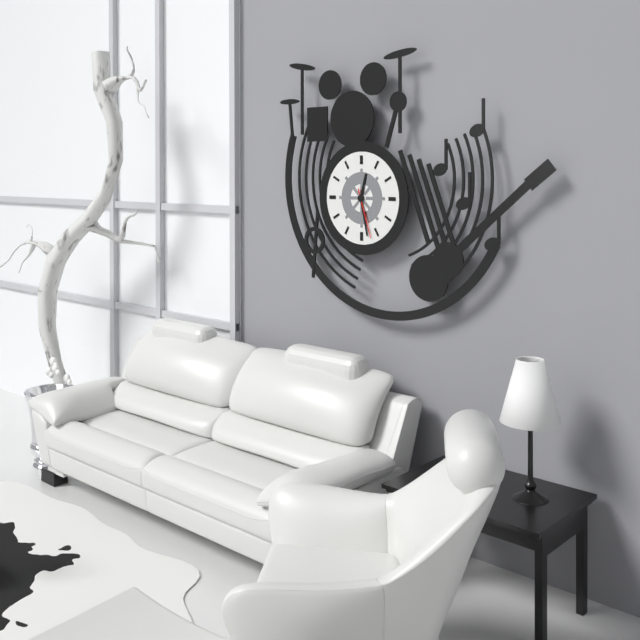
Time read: 12:28:27
